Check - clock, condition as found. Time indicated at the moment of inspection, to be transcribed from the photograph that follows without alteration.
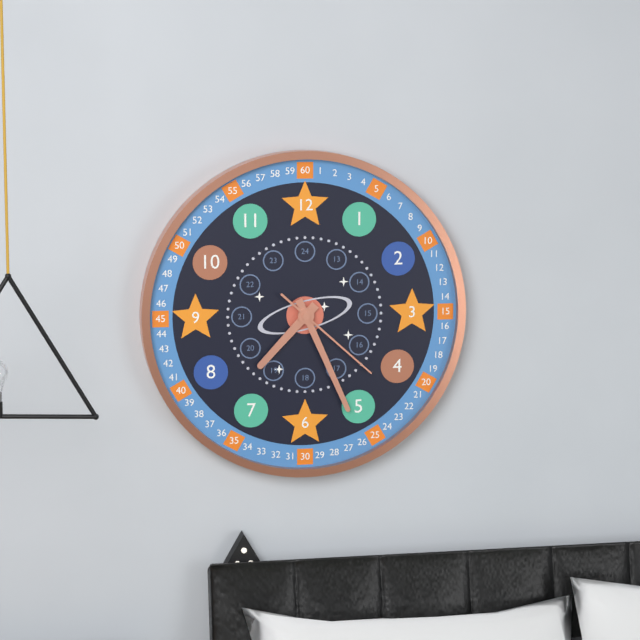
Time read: 7:26:22
